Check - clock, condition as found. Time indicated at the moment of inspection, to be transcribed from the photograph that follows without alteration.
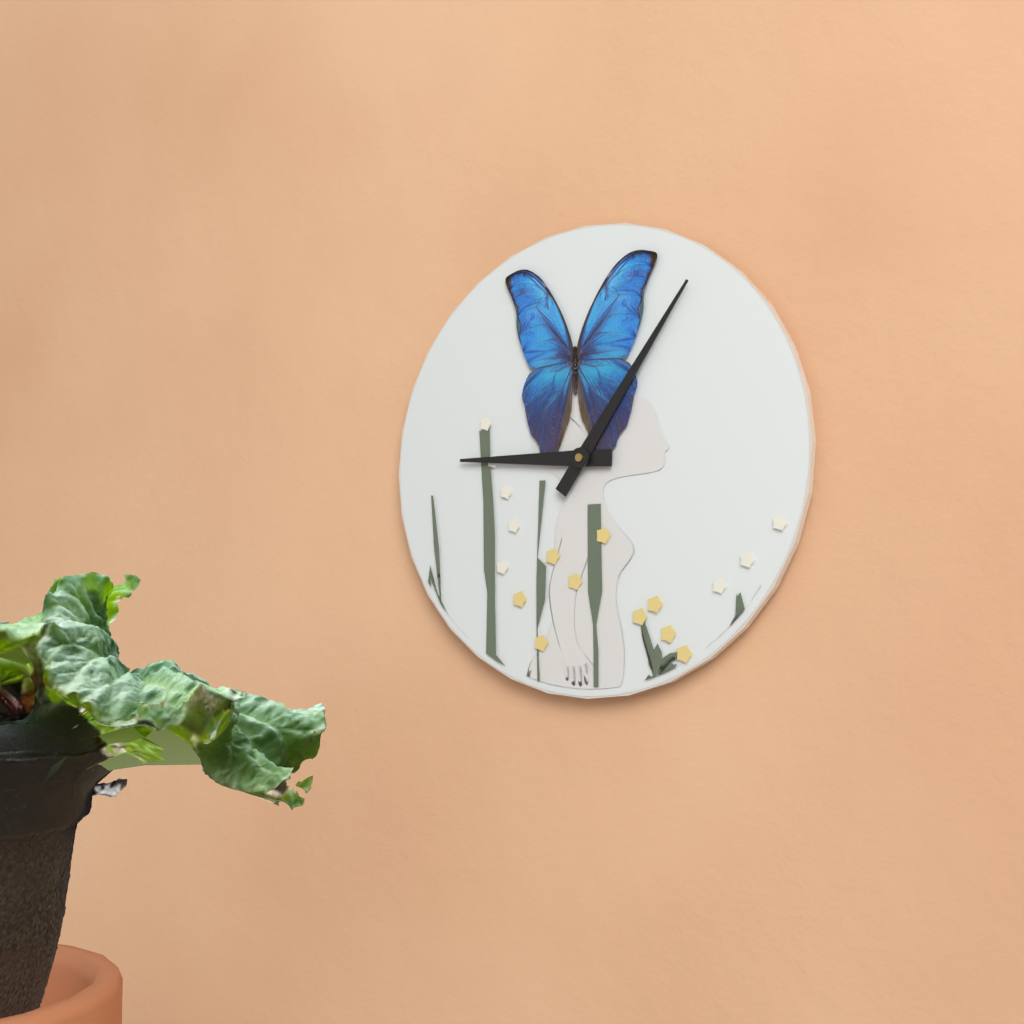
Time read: 9:06
